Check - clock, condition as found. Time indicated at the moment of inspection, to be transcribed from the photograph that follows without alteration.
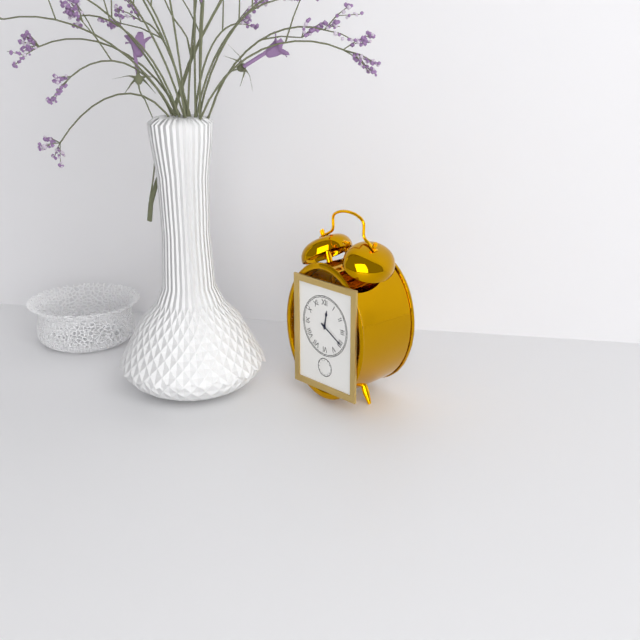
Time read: 12:20
